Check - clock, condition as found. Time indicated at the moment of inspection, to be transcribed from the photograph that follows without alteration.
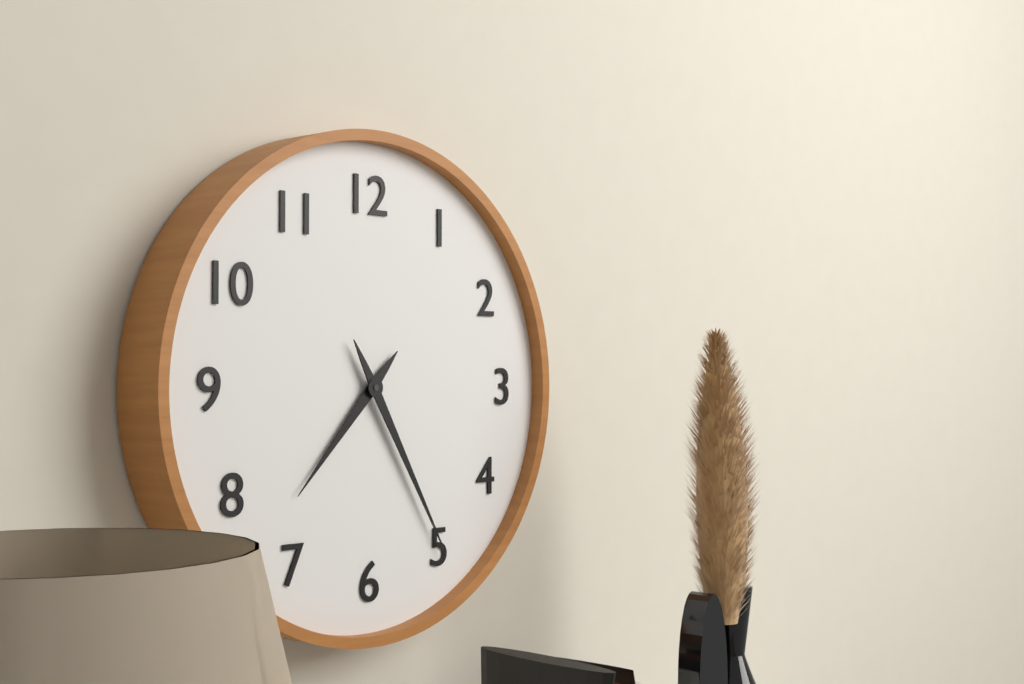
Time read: 7:25
